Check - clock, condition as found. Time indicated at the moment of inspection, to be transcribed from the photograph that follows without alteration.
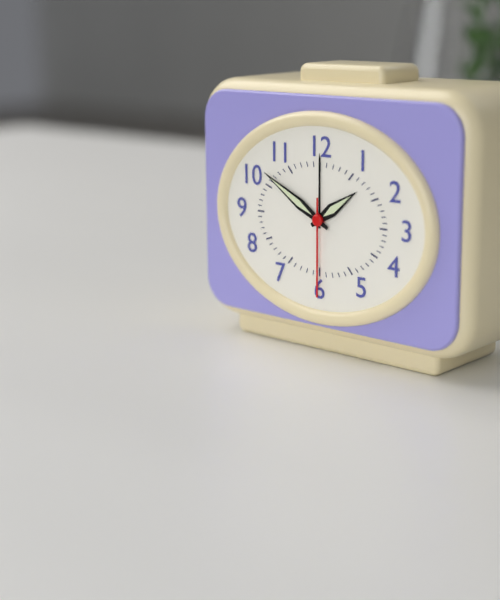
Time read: 1:50:30
